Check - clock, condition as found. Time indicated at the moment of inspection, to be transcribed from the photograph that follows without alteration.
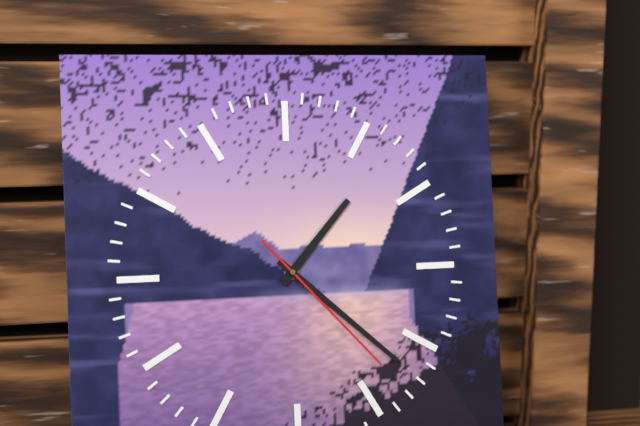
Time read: 1:22:23
